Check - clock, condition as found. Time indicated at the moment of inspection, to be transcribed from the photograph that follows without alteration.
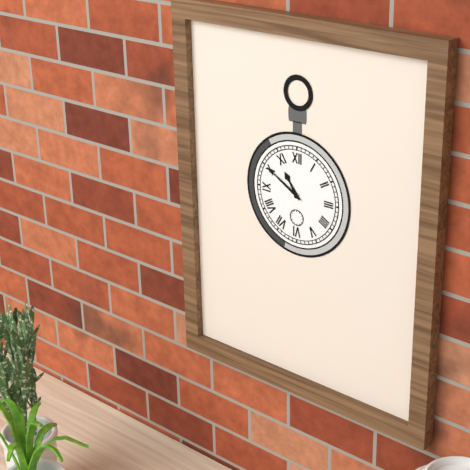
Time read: 10:50
